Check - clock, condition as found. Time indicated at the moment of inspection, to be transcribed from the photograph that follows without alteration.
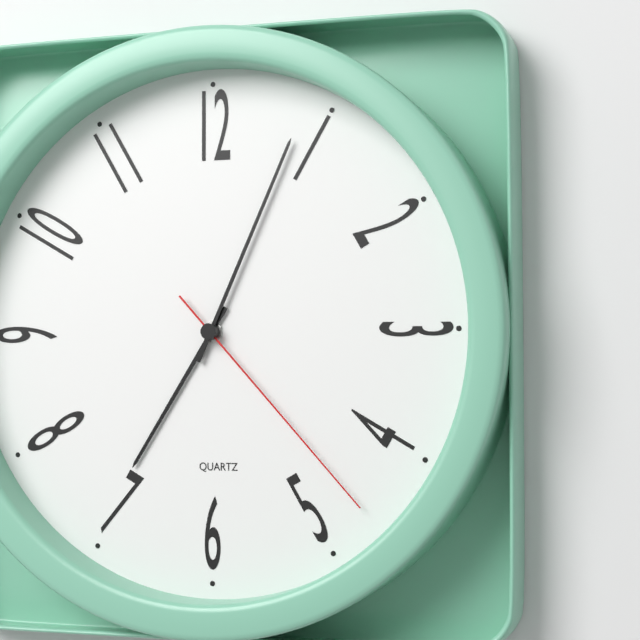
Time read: 7:04:23
